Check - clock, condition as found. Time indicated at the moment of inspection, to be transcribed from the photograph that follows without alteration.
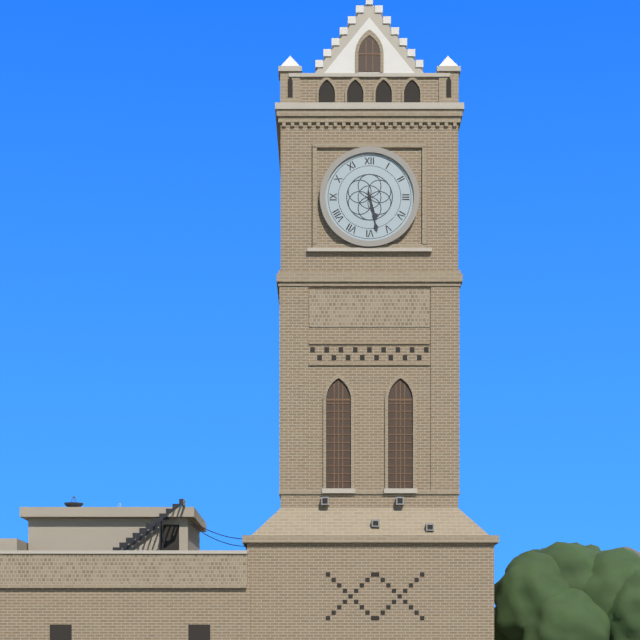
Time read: 5:28
